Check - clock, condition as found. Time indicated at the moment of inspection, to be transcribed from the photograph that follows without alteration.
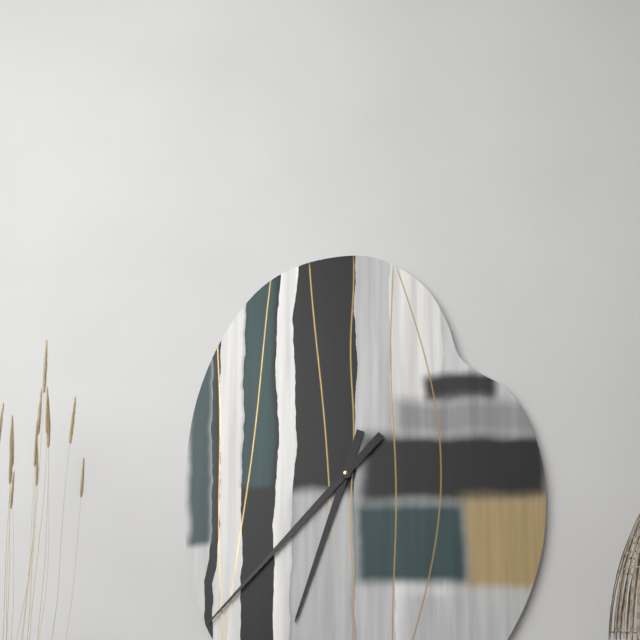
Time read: 6:37
